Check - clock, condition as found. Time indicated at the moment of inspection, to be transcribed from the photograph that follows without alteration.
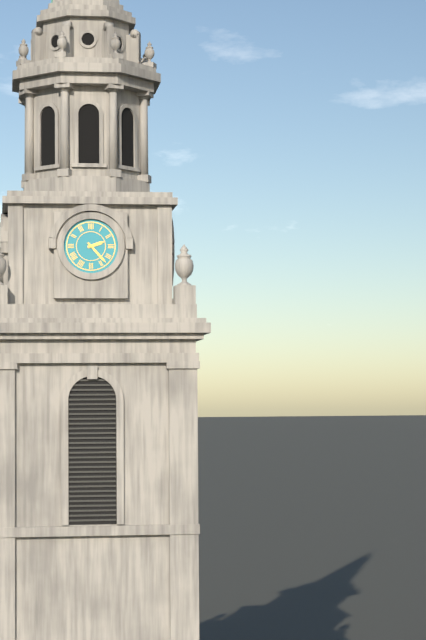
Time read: 2:23
